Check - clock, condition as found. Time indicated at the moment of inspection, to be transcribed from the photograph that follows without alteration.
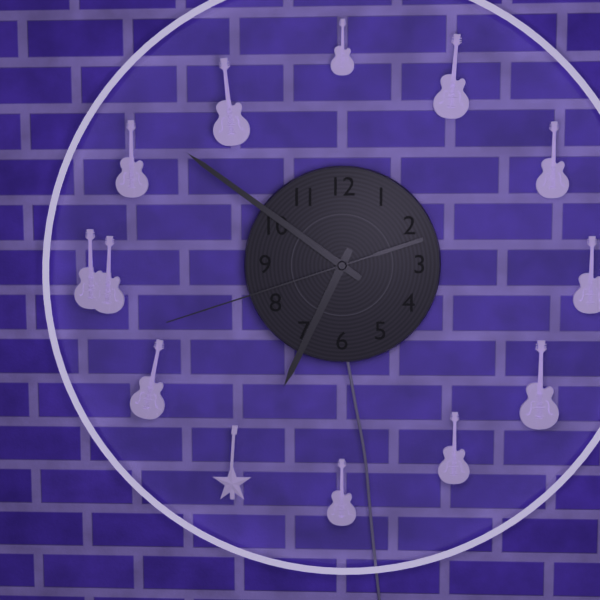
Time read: 6:51:42
